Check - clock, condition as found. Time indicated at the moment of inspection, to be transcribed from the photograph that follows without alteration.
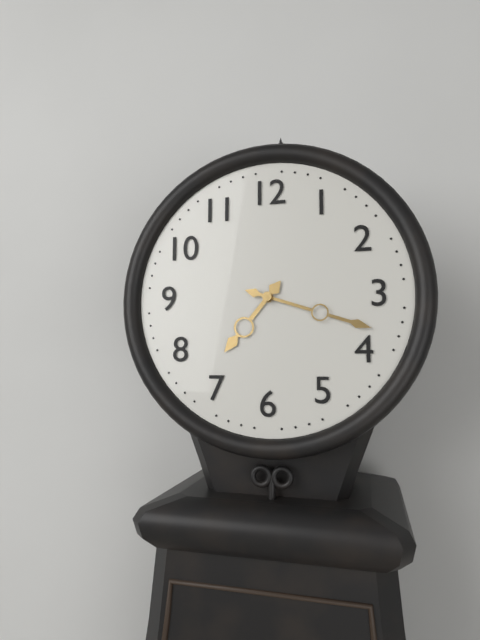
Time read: 7:18
